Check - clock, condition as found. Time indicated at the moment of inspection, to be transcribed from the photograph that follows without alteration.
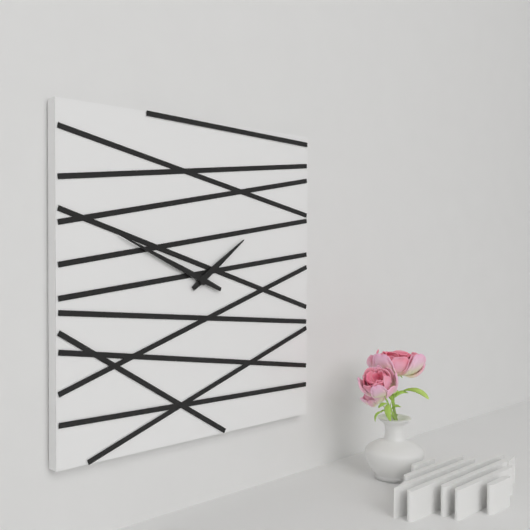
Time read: 1:49
